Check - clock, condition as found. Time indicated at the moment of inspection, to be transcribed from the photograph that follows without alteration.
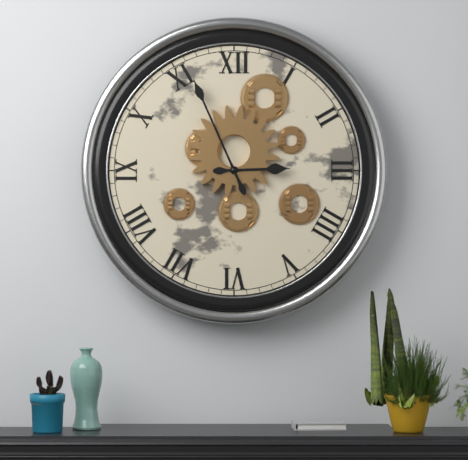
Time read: 2:56
